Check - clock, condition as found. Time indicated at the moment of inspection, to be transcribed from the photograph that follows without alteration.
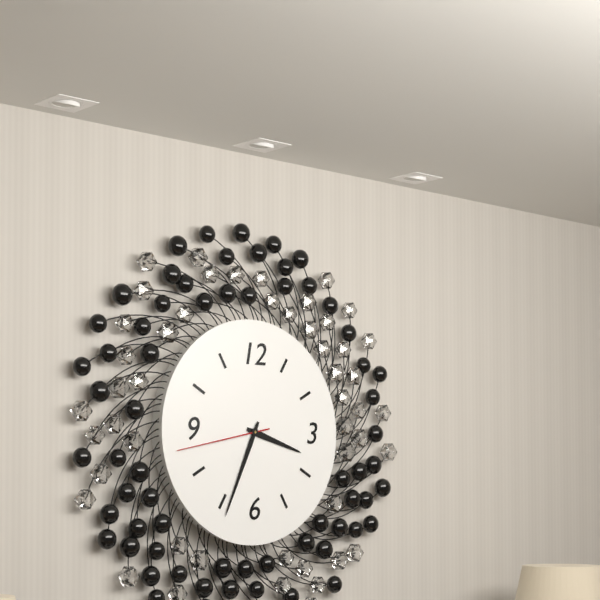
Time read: 3:34:43
